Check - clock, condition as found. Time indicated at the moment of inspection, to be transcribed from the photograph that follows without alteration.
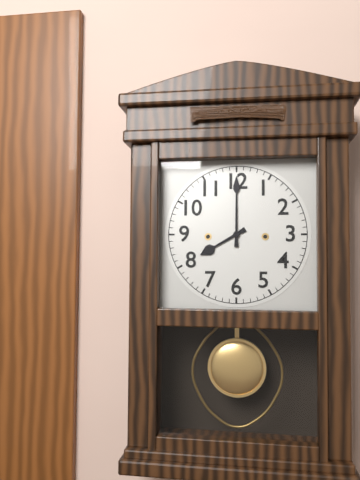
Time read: 8:00
